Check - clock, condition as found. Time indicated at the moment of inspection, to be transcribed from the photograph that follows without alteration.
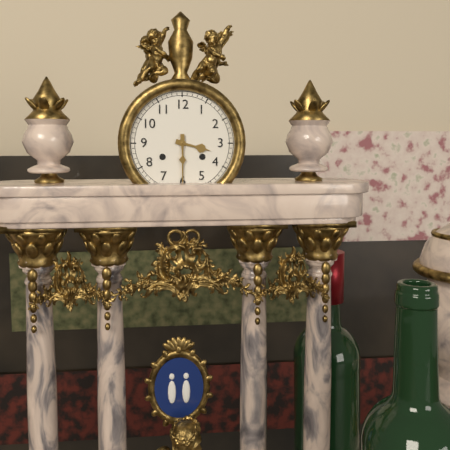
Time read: 3:30
